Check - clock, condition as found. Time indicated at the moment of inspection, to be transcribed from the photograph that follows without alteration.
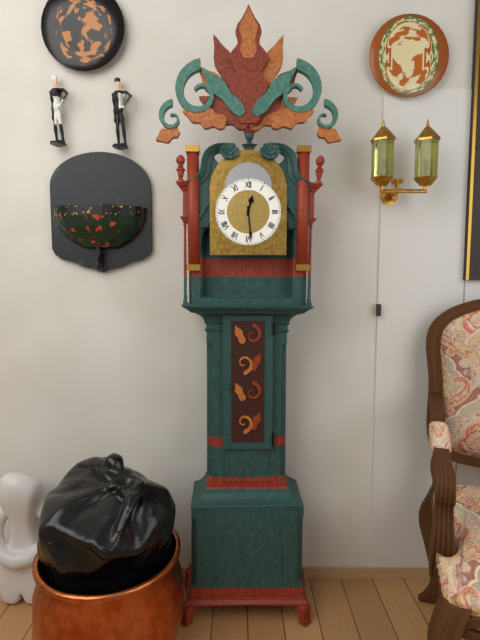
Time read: 12:29
